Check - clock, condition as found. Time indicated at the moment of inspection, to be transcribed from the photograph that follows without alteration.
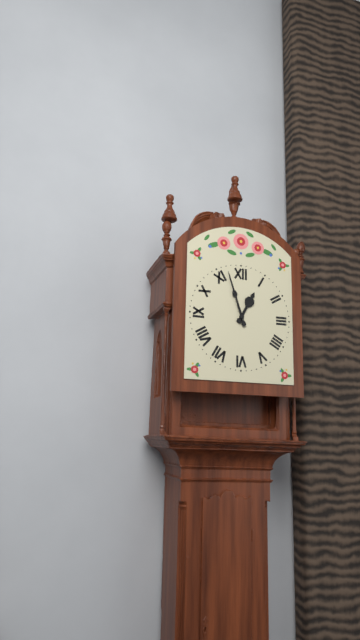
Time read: 12:57
